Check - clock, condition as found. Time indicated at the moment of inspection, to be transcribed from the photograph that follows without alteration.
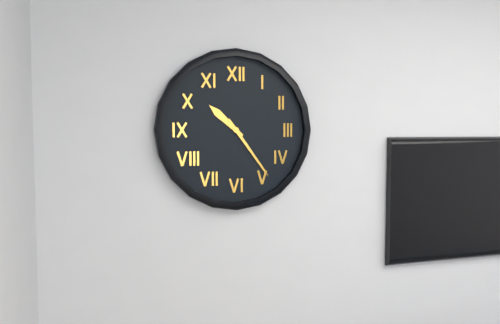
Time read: 10:24
